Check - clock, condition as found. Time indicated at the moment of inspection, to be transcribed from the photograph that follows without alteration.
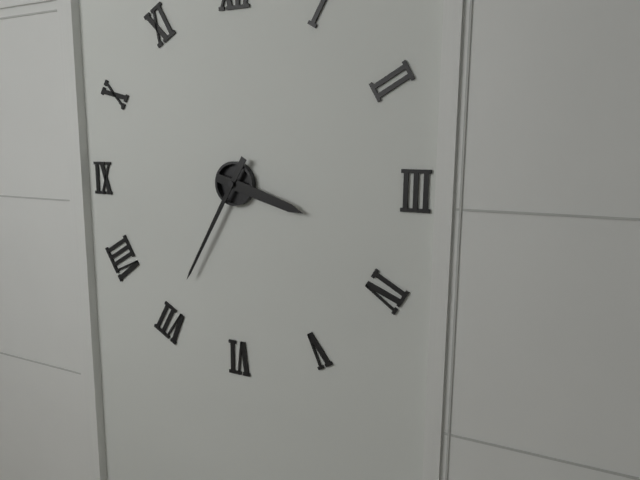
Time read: 3:35
